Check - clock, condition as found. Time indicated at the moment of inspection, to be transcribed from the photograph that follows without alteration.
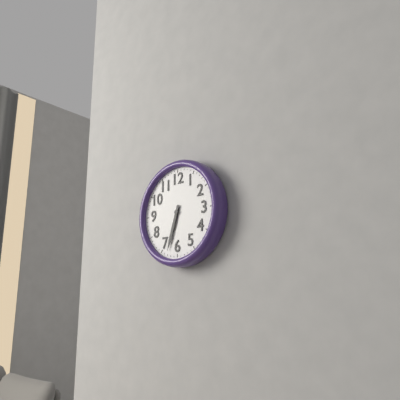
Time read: 6:33
